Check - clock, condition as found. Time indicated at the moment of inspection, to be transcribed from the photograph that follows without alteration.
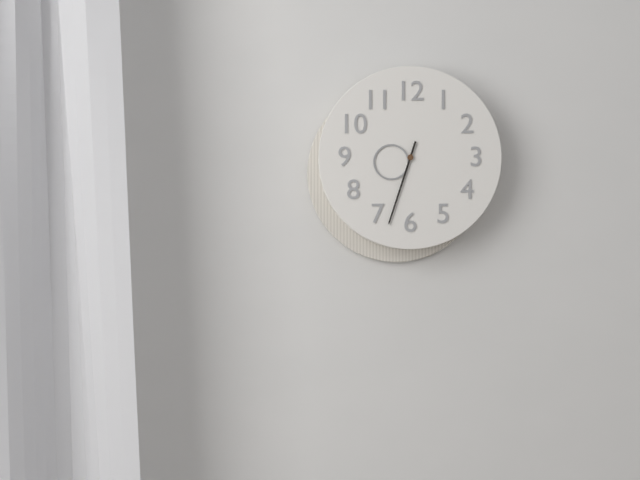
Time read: 8:33
